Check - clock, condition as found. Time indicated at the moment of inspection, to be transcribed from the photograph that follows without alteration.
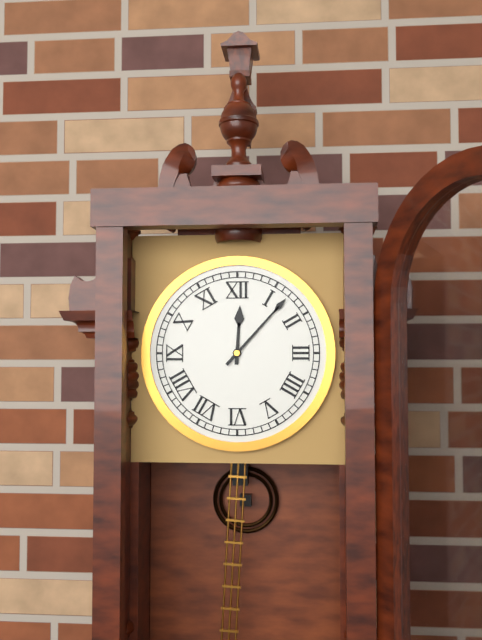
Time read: 12:07
